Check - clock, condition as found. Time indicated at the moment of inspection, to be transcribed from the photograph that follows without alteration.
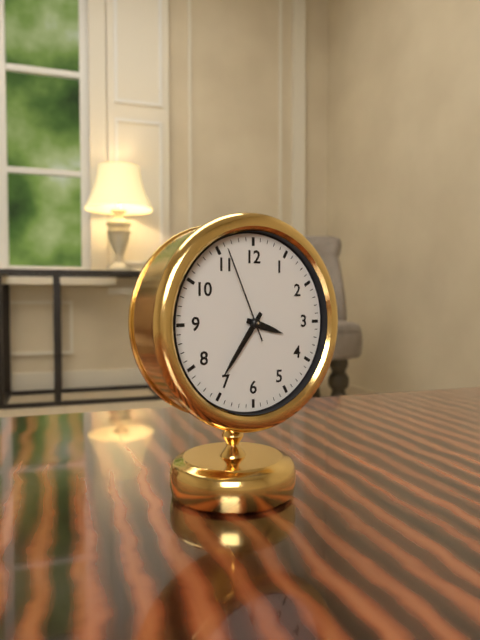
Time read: 3:36:56
